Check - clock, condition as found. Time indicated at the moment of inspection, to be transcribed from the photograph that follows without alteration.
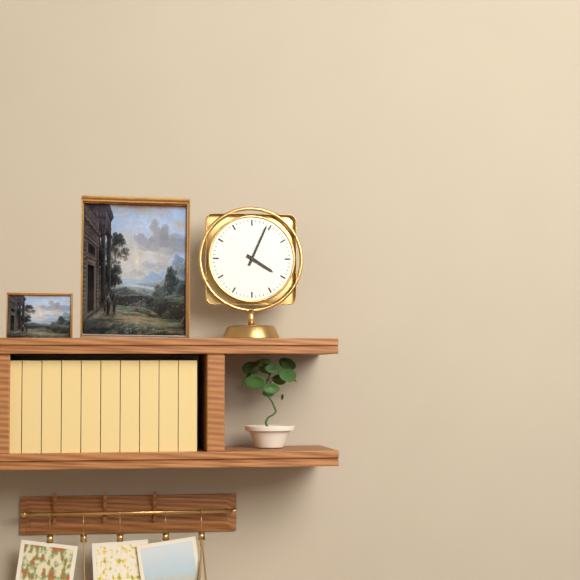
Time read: 4:04
